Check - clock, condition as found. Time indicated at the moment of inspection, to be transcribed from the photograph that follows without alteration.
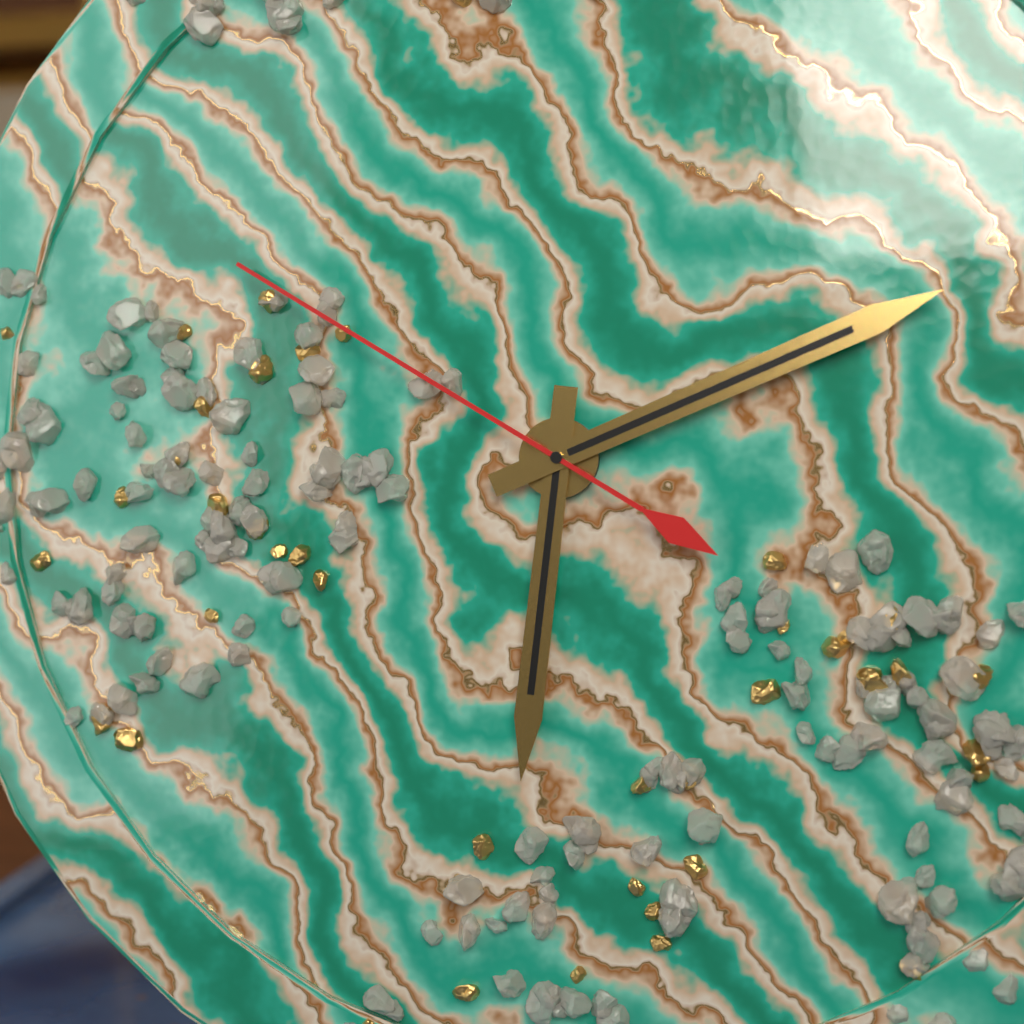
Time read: 6:11:50
